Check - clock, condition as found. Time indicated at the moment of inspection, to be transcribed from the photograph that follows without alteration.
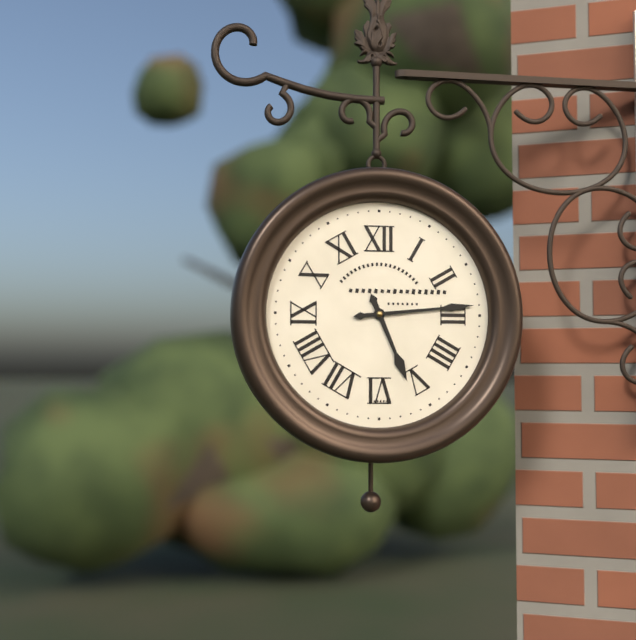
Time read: 5:14
